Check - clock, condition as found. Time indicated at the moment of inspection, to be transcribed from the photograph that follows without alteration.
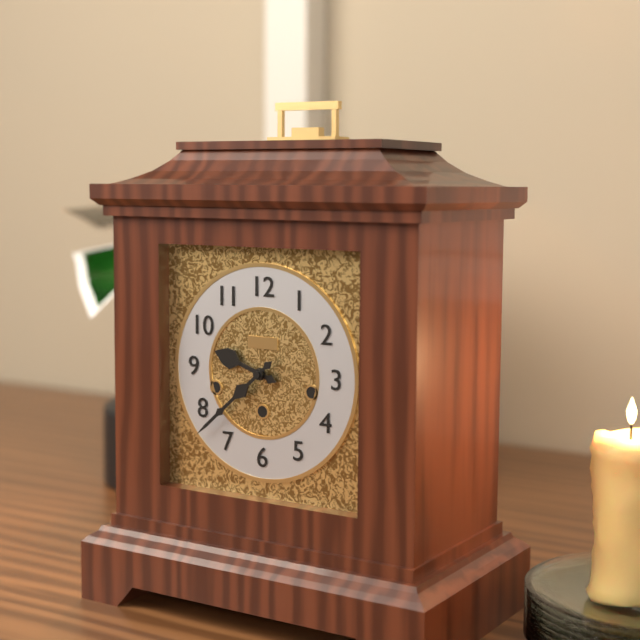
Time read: 9:38
